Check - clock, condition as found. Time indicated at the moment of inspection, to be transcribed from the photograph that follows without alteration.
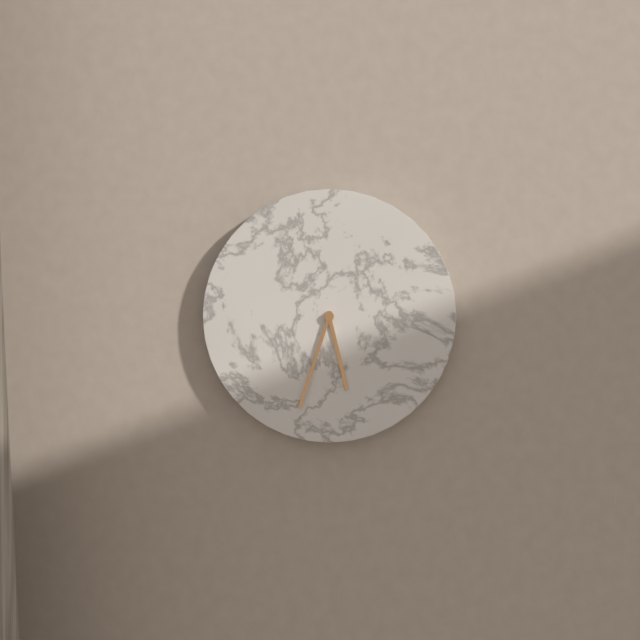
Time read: 5:33
